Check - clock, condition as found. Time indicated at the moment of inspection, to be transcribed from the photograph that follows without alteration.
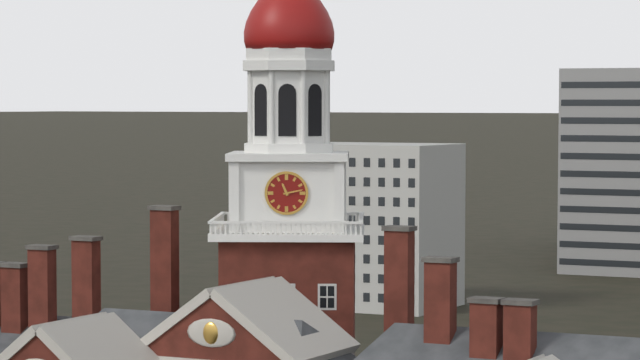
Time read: 11:13
